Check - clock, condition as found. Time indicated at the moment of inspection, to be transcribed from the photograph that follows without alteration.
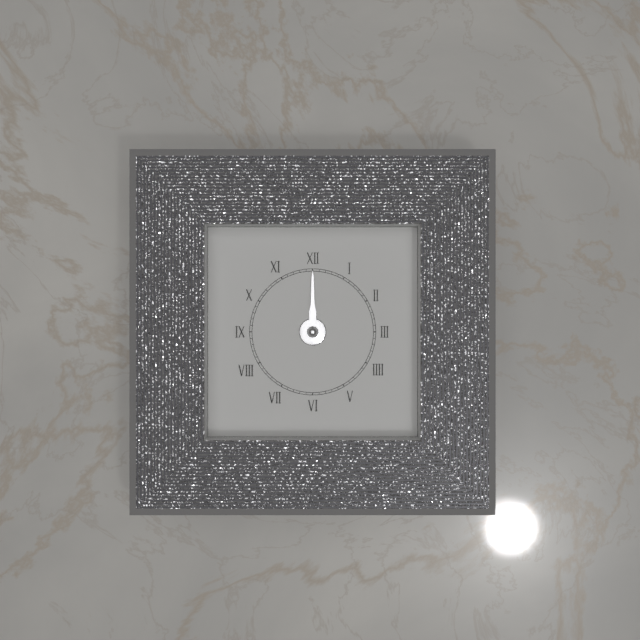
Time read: 12:00
